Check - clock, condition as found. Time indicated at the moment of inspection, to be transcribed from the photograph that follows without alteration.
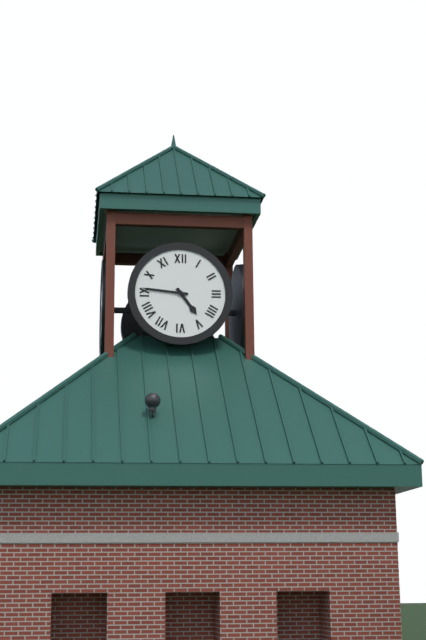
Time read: 4:46
